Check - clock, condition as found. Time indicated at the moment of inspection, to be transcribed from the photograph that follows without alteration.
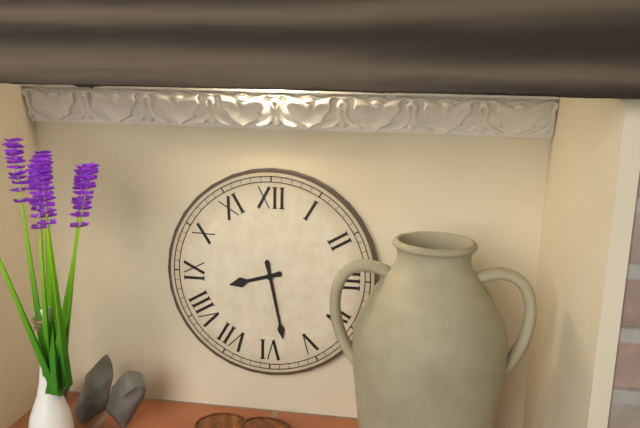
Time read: 8:28
